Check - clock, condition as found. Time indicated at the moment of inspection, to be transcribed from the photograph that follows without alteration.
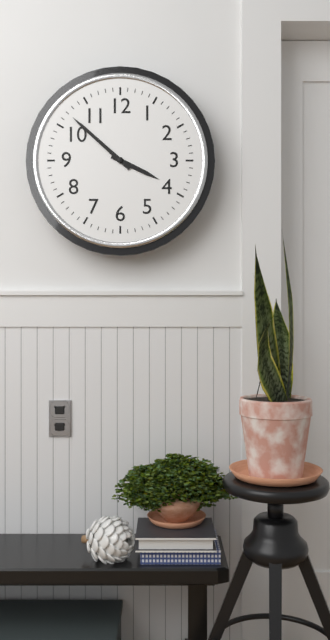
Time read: 3:52
